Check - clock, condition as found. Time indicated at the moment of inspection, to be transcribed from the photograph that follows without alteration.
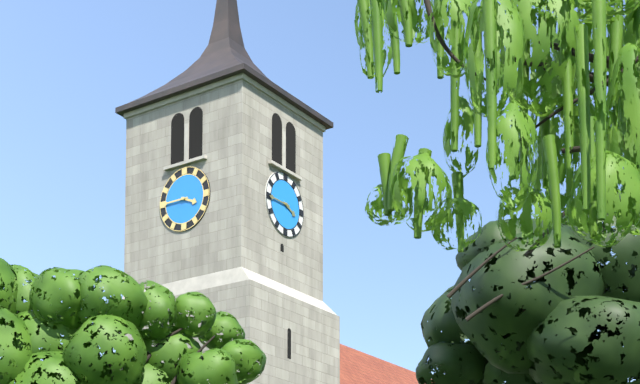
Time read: 3:45
